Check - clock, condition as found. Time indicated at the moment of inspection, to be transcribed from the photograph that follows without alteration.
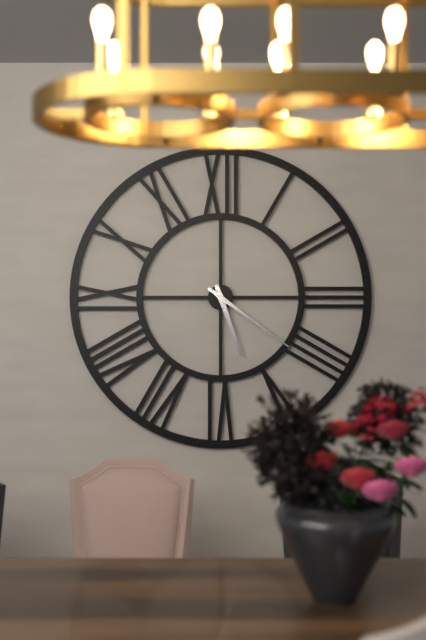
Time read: 5:21
